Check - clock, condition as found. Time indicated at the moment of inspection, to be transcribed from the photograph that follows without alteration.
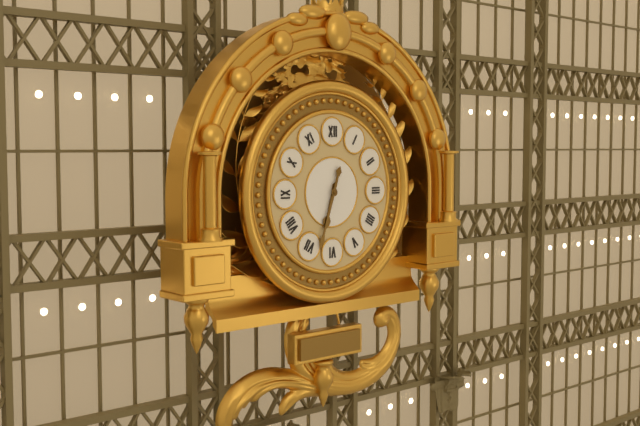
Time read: 6:33
